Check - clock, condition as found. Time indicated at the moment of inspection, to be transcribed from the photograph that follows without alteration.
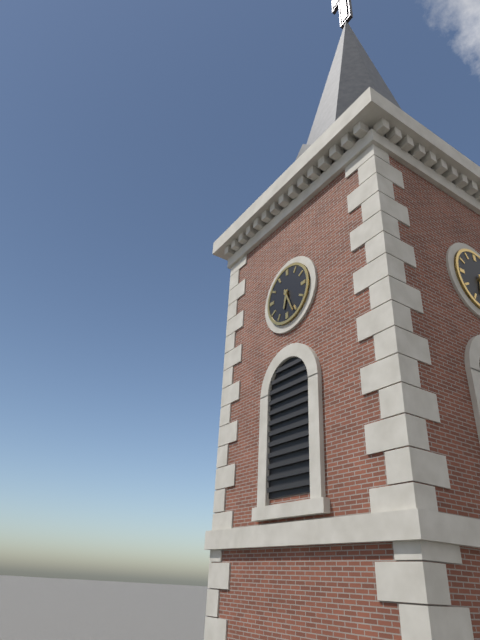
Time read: 6:26
